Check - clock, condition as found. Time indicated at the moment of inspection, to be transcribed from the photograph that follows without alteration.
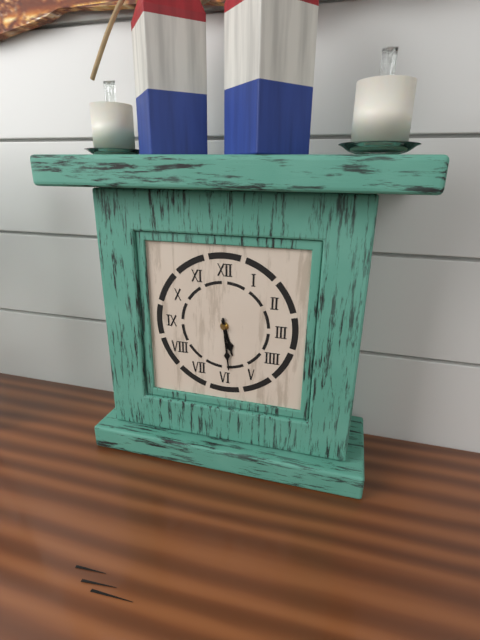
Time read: 5:29
